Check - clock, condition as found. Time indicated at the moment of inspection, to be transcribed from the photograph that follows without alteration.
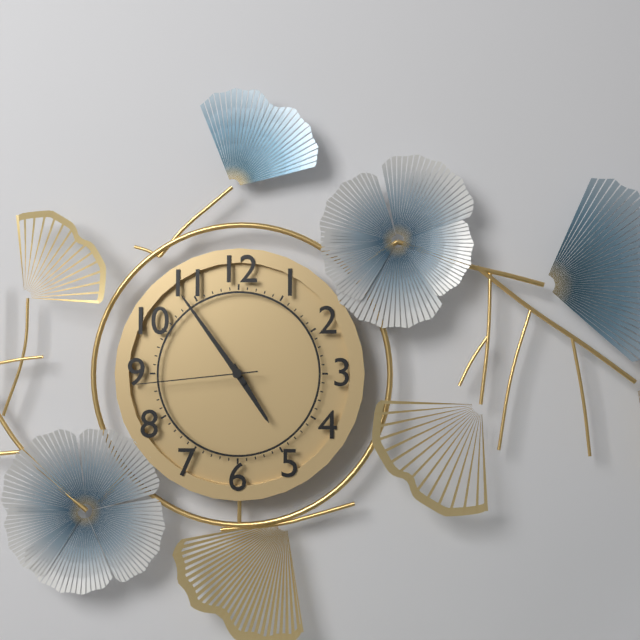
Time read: 4:54:44
